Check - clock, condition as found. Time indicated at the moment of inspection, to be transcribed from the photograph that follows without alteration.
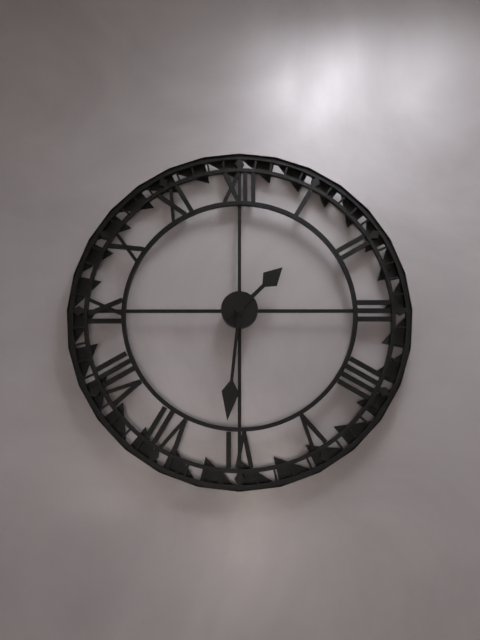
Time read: 1:31
